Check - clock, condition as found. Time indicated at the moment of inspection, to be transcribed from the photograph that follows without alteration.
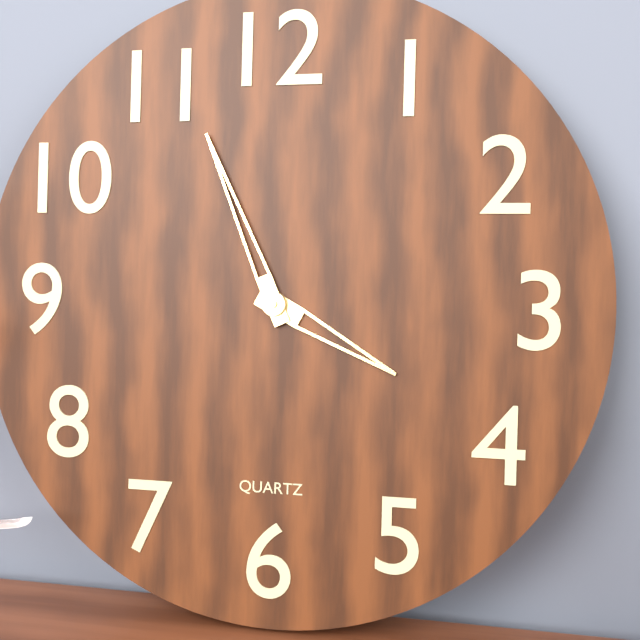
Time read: 3:56
